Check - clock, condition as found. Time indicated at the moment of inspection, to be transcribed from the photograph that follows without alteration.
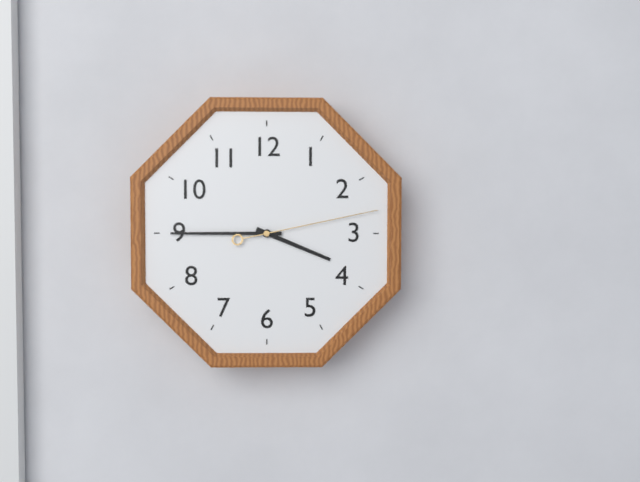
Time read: 3:45:13
